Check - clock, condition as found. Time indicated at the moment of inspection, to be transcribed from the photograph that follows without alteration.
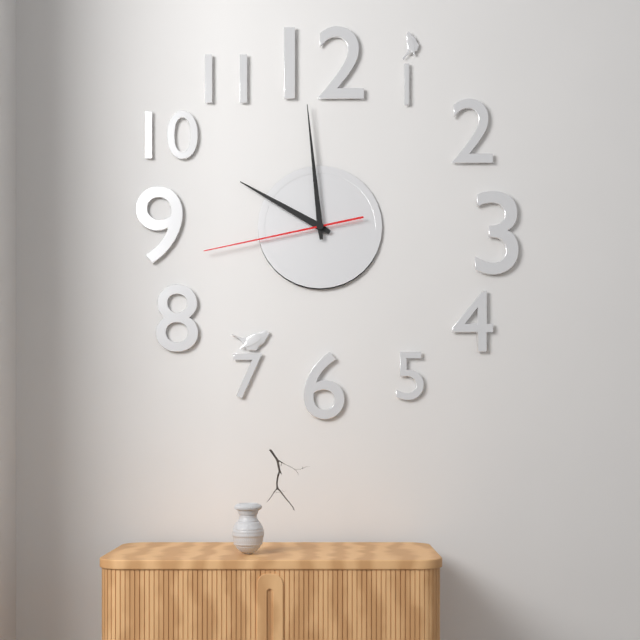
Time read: 9:59:43
